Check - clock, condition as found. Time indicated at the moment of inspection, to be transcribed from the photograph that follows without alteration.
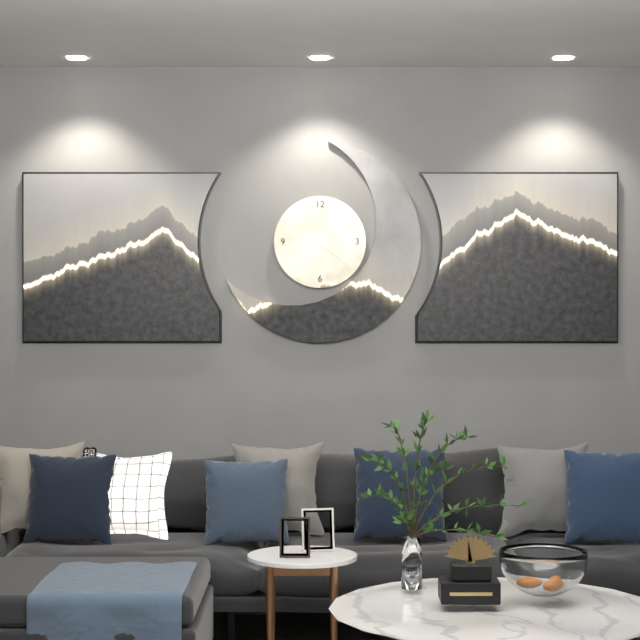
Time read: 6:21
